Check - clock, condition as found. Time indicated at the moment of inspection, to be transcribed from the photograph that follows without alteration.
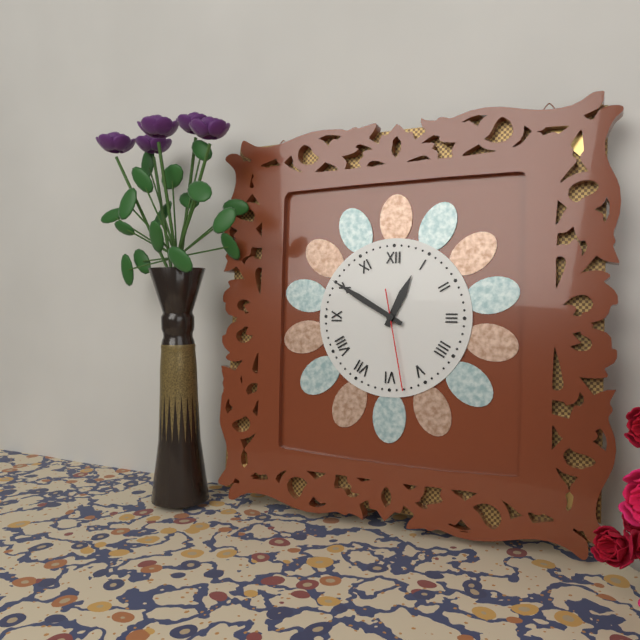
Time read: 12:50:28
